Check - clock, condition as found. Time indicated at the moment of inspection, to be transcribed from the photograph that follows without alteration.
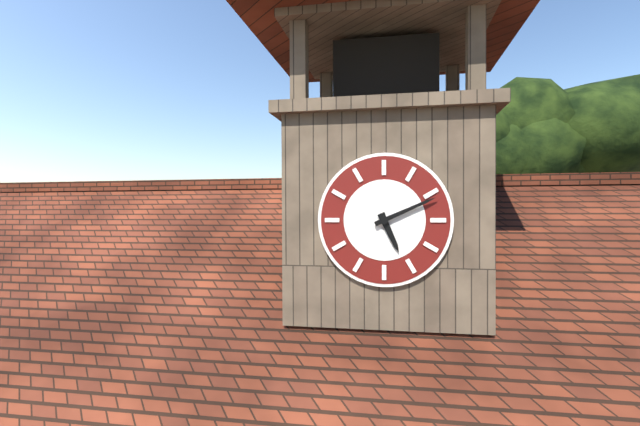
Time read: 5:11
